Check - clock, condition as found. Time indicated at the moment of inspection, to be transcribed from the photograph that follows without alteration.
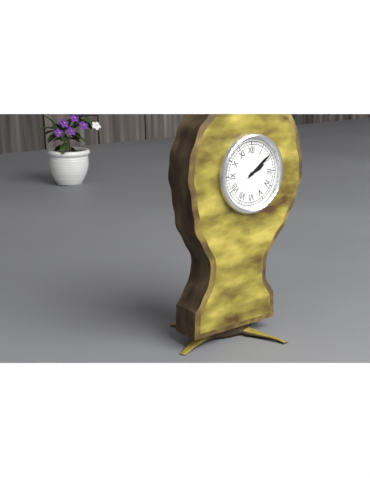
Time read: 2:09
